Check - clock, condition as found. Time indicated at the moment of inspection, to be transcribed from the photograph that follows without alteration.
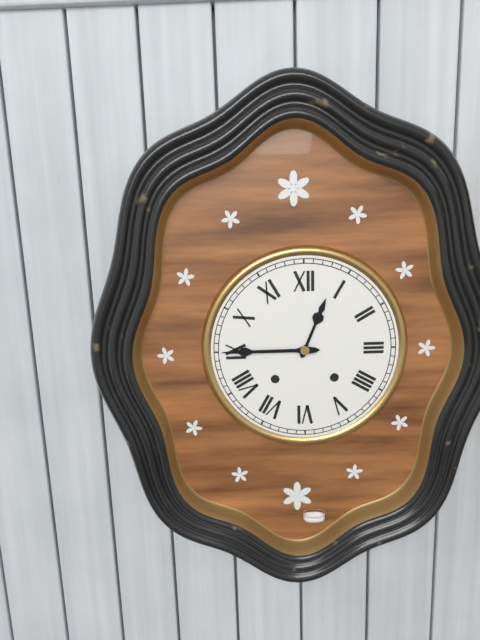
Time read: 12:45
